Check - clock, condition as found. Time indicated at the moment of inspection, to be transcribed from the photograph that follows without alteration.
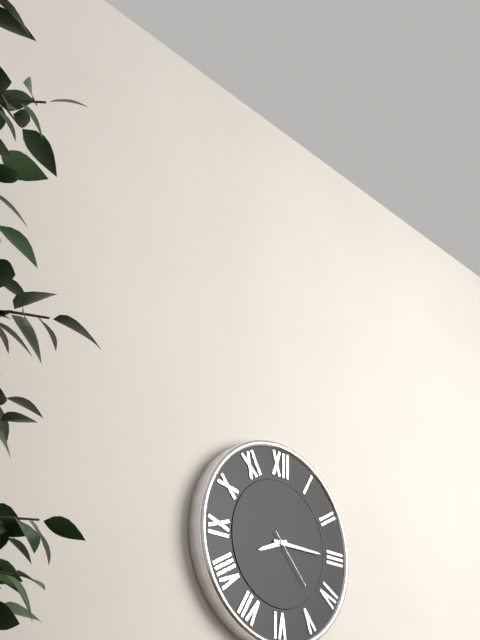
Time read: 8:15:23
